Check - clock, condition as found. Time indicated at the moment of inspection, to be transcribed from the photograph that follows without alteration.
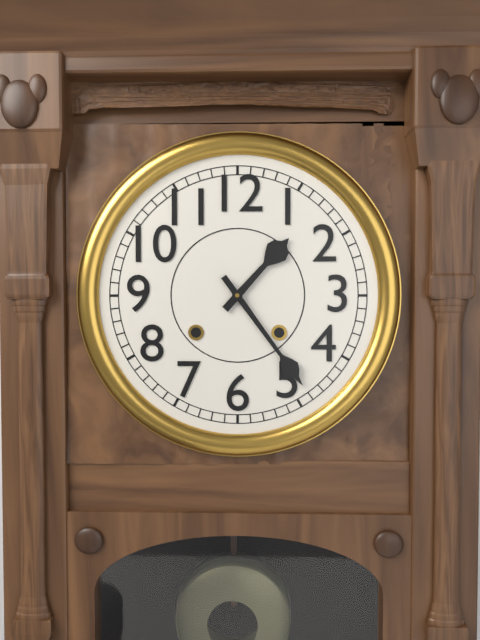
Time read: 1:24
